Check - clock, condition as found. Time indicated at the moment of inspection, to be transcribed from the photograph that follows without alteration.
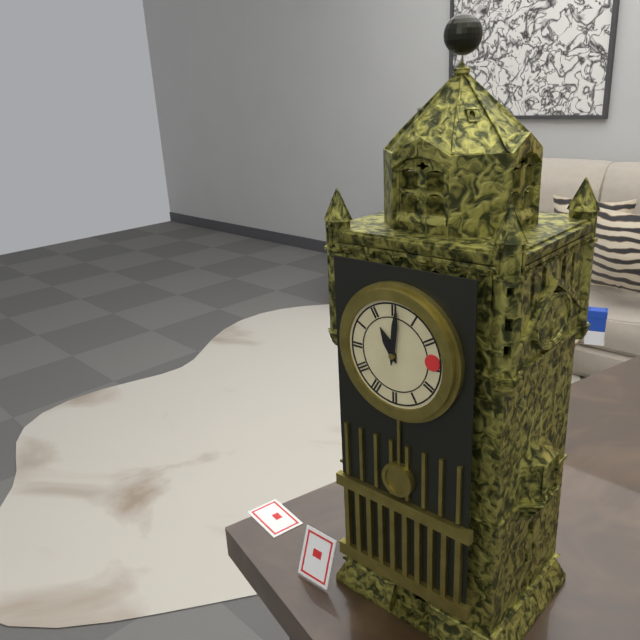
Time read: 11:01
